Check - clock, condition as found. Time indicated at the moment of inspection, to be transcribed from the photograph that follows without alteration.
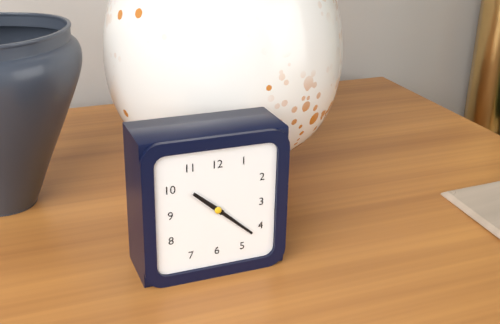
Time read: 10:22
